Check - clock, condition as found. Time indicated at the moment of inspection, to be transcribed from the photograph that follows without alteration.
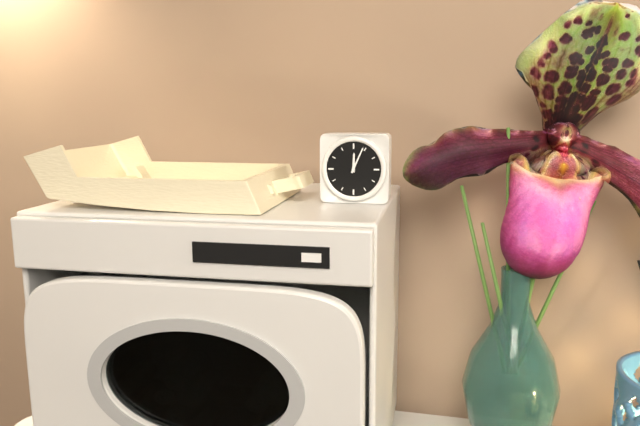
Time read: 12:04
